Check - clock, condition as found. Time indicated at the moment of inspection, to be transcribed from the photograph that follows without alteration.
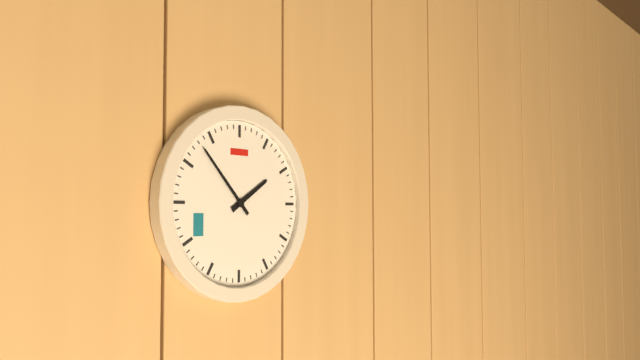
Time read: 1:53
